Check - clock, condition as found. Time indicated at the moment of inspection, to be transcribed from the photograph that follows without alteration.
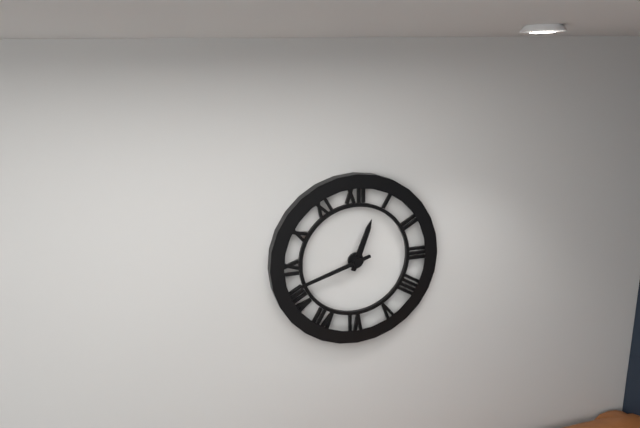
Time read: 12:42
